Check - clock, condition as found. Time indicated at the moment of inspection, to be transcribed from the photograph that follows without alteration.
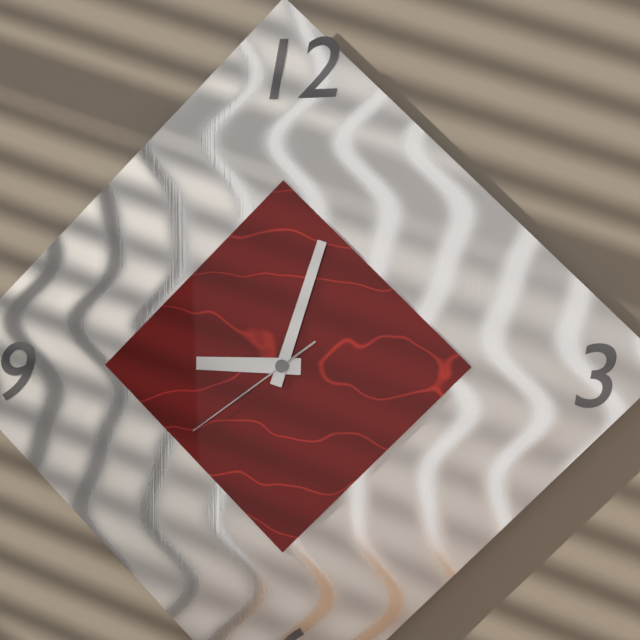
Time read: 9:03:39
